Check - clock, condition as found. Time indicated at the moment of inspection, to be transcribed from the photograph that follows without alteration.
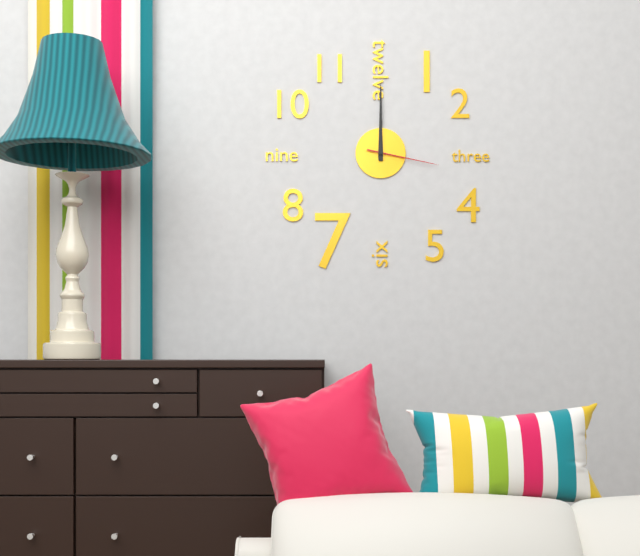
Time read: 12:00:17
